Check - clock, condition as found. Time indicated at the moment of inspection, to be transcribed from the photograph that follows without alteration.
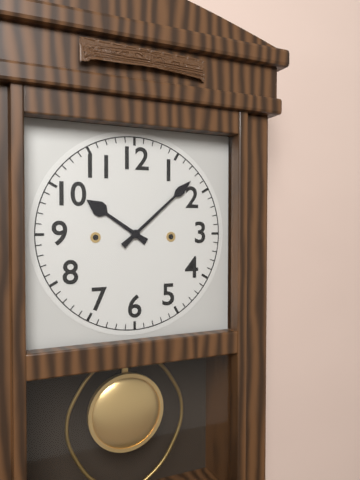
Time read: 10:08
